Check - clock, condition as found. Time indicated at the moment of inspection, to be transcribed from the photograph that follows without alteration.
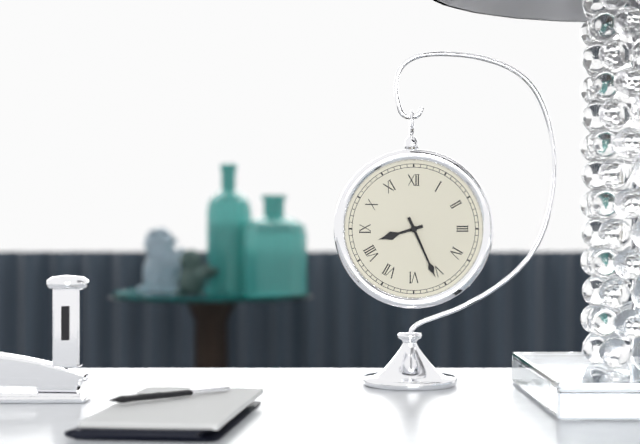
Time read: 8:26
